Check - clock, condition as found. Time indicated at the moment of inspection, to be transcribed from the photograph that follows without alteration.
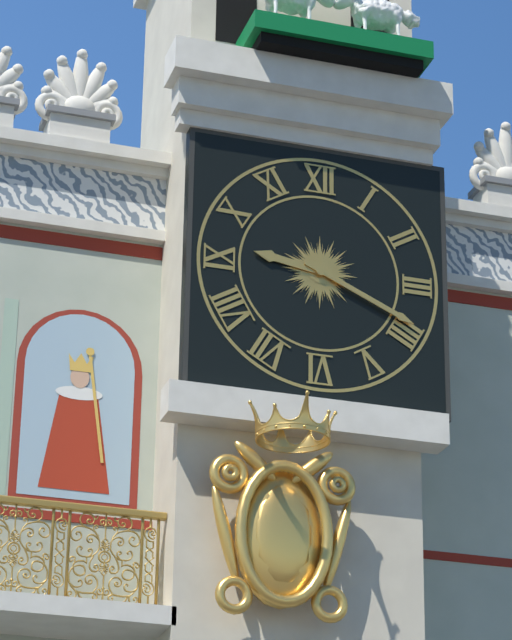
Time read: 9:19
